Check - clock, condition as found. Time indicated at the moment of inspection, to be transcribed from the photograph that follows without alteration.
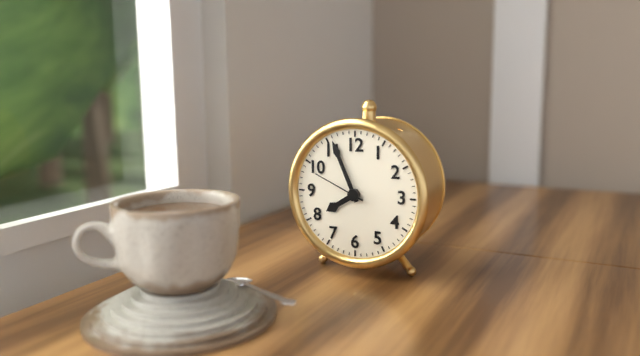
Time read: 7:56:49
